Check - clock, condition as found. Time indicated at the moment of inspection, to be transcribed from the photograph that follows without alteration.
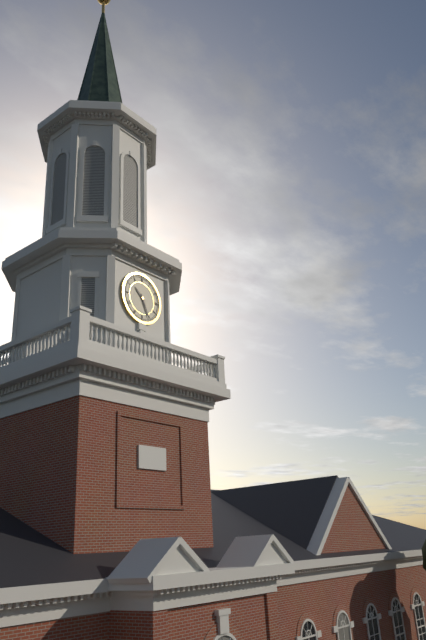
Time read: 10:26
